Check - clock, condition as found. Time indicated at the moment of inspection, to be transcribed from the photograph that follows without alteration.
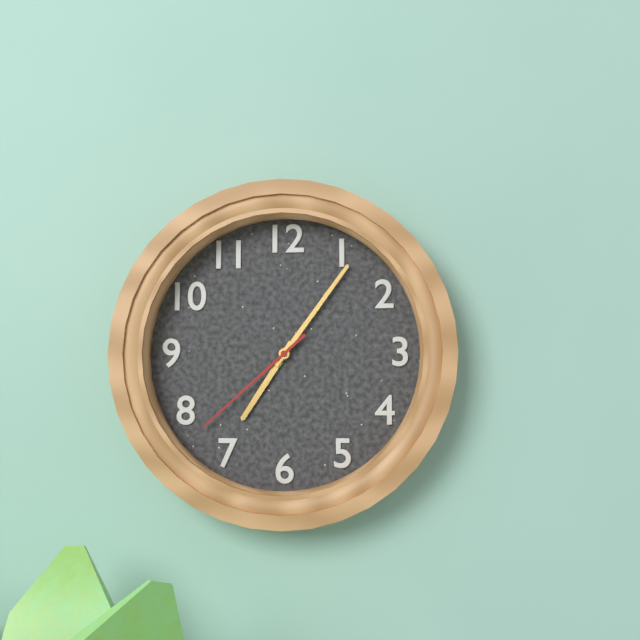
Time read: 7:06:38
